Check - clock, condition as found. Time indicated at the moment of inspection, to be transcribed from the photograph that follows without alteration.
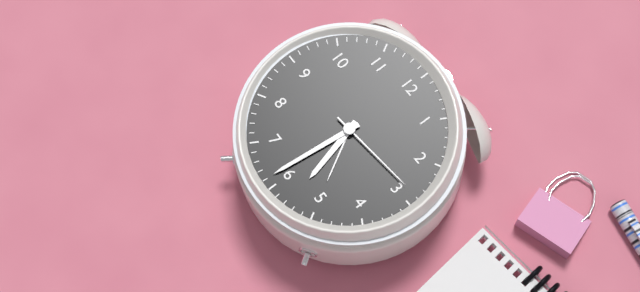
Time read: 5:31:14
